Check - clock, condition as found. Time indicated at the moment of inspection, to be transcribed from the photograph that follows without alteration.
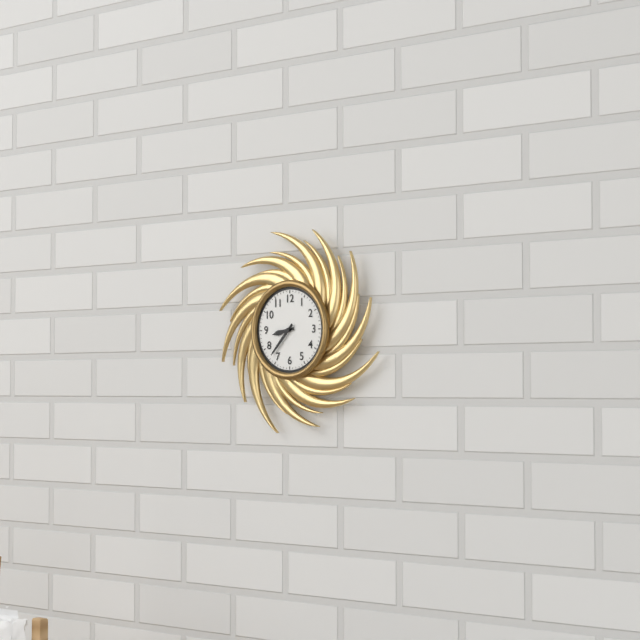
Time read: 8:37
